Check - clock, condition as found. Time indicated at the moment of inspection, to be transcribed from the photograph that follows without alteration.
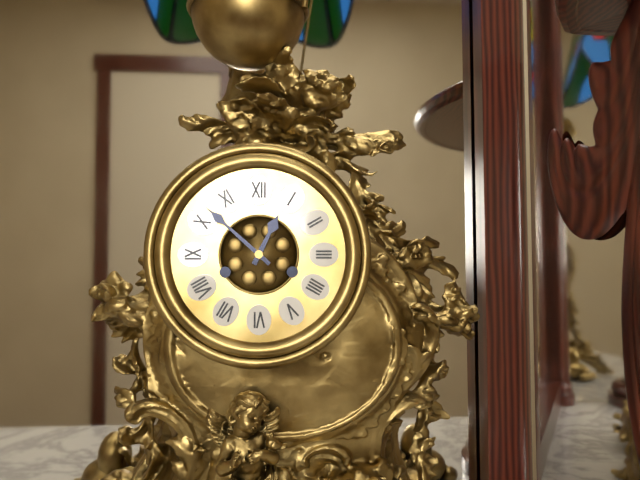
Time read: 12:52
